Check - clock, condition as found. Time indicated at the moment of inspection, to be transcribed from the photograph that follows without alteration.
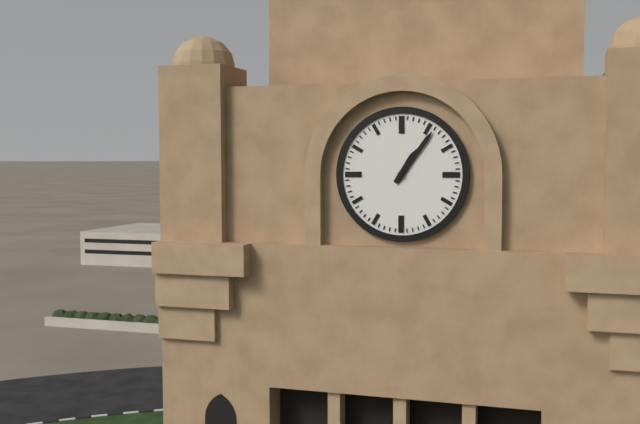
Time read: 1:06
